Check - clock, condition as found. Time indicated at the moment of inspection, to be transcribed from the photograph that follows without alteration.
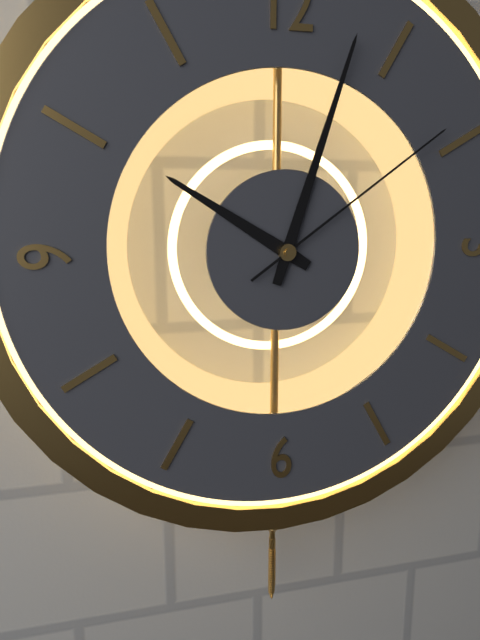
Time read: 10:03:09
